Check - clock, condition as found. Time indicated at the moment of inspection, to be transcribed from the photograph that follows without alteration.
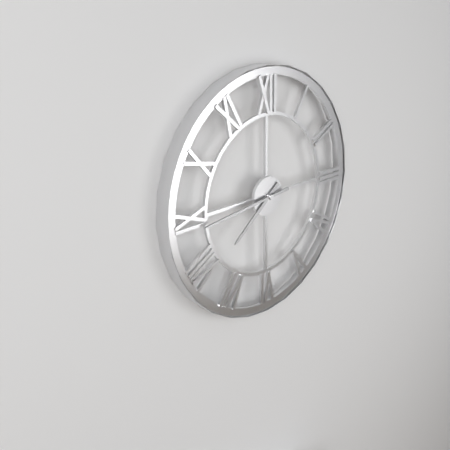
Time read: 7:44
